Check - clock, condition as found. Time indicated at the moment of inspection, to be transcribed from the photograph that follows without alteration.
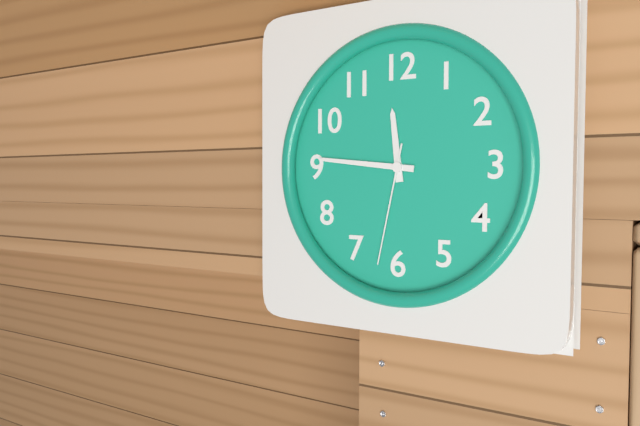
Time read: 11:46:32
